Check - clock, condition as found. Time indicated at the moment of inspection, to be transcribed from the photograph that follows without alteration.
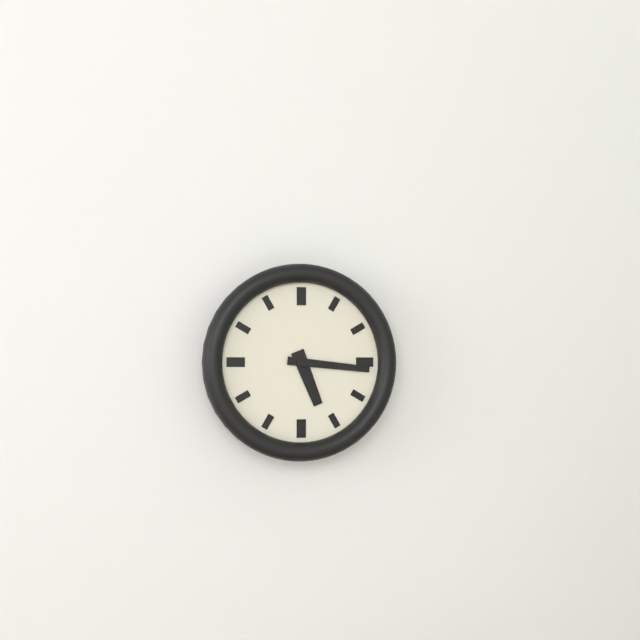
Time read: 5:16
